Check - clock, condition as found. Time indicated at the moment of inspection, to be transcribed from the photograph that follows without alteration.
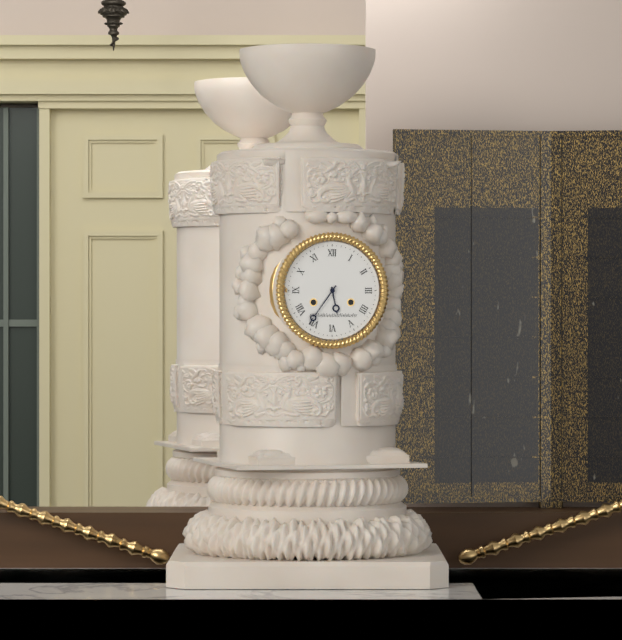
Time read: 5:36
